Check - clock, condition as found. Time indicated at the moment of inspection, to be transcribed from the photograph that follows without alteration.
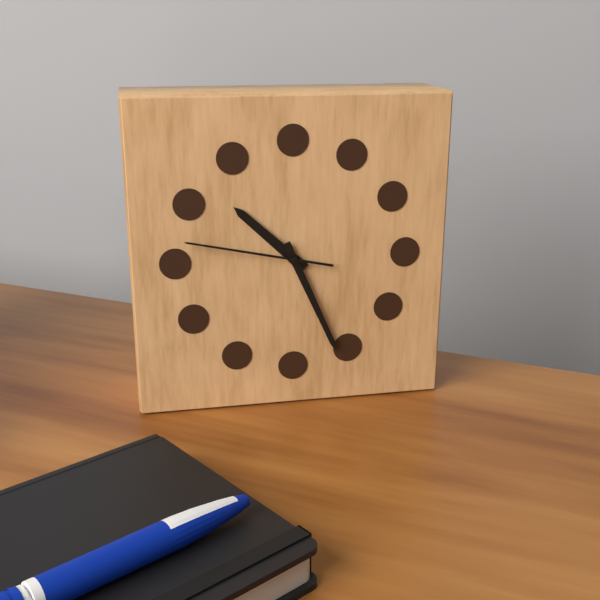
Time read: 10:26:47
